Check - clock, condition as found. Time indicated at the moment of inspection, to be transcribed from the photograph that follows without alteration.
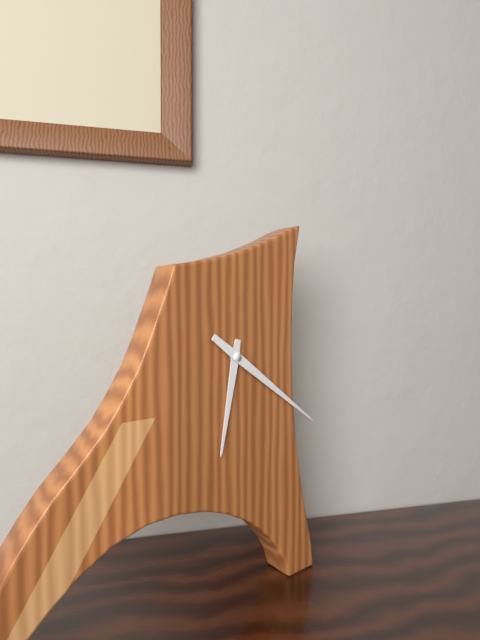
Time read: 6:21
